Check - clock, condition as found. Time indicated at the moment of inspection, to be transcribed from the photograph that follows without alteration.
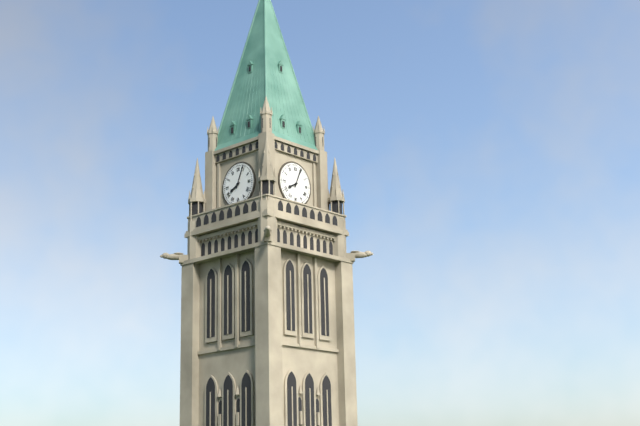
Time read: 8:04
